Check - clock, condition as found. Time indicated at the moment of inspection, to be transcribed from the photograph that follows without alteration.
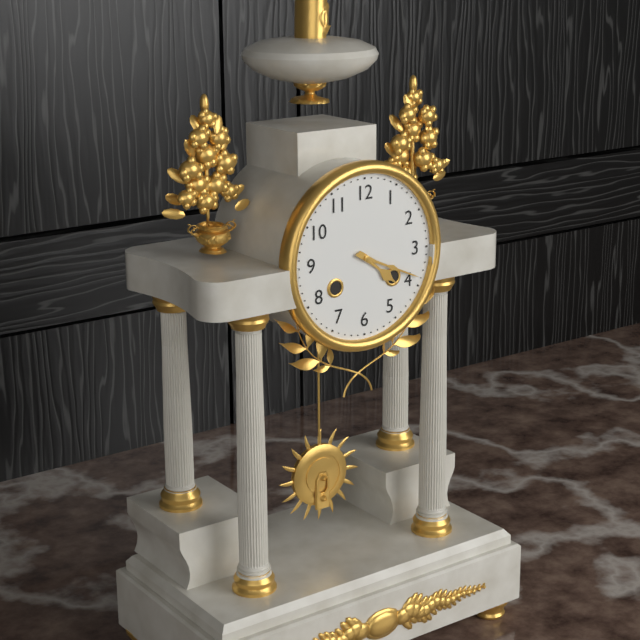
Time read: 4:19
